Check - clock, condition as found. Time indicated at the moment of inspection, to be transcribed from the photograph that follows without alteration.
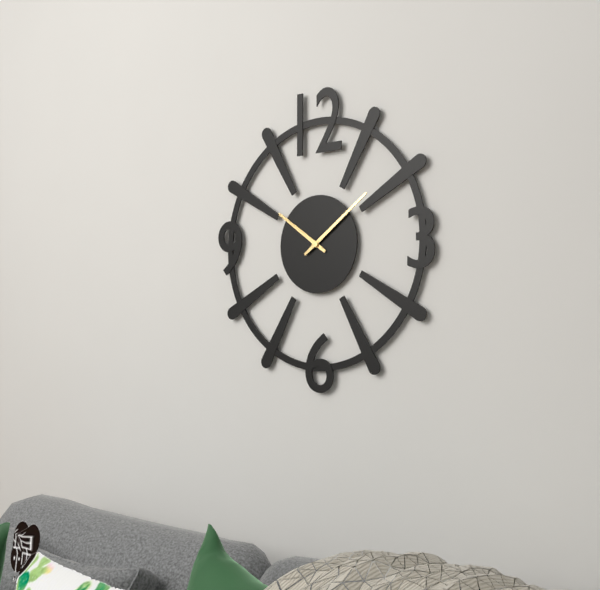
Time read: 10:09
